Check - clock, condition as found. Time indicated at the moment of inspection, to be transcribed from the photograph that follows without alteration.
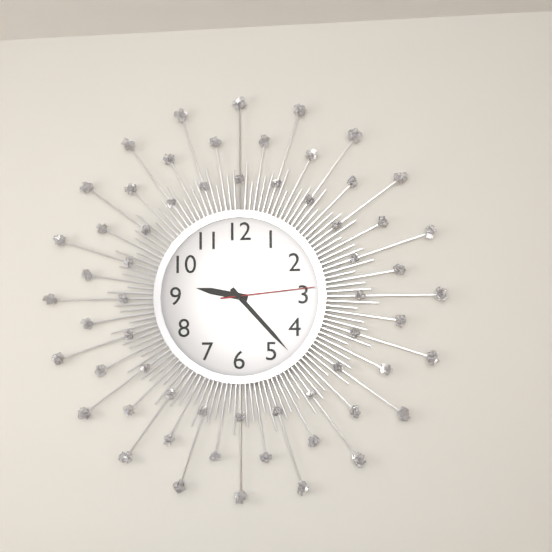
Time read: 9:23:14
